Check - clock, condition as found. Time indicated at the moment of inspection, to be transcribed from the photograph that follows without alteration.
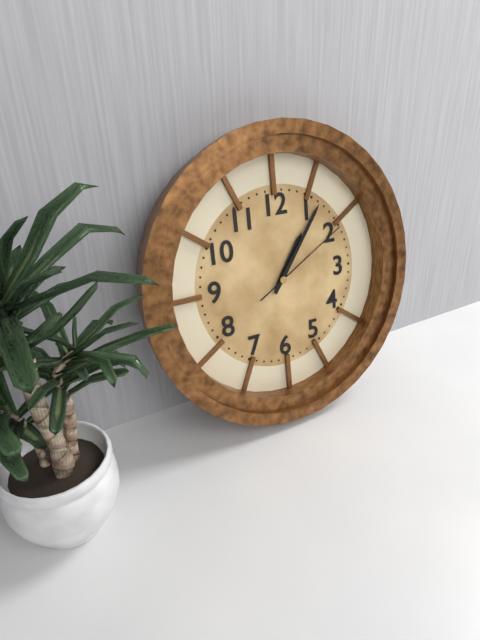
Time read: 1:06:10
